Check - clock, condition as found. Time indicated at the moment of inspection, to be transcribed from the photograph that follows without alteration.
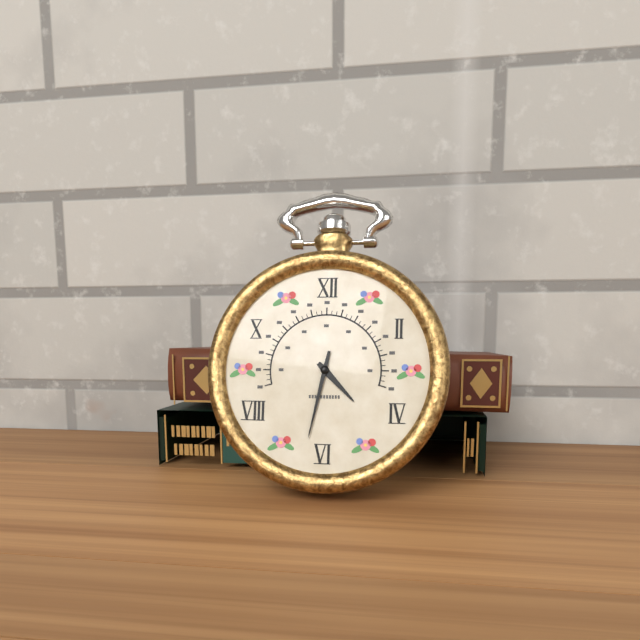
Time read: 4:32
